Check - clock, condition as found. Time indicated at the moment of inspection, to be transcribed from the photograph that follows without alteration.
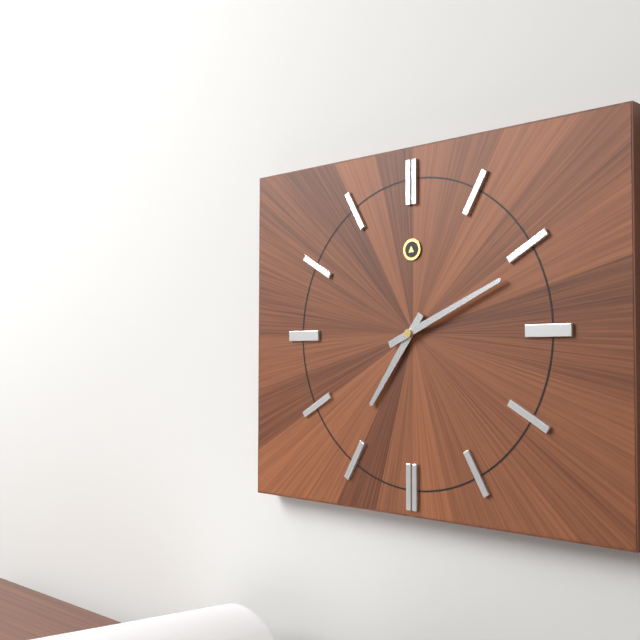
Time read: 7:11
